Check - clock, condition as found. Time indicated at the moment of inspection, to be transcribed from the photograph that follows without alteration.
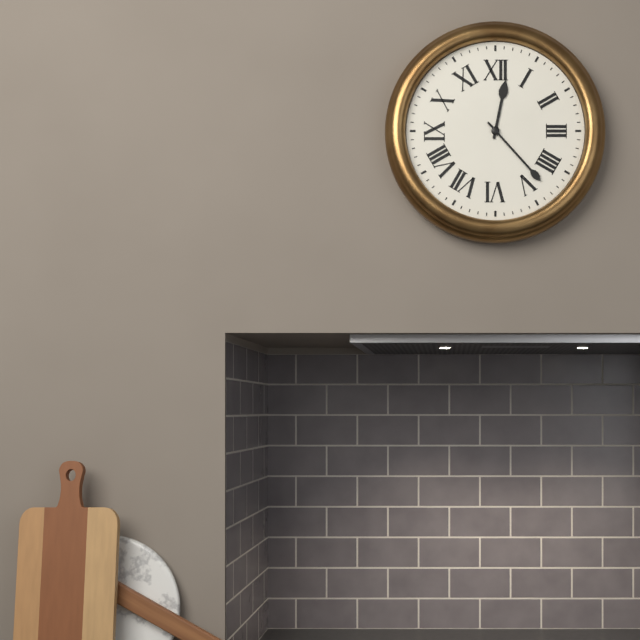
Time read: 12:23
